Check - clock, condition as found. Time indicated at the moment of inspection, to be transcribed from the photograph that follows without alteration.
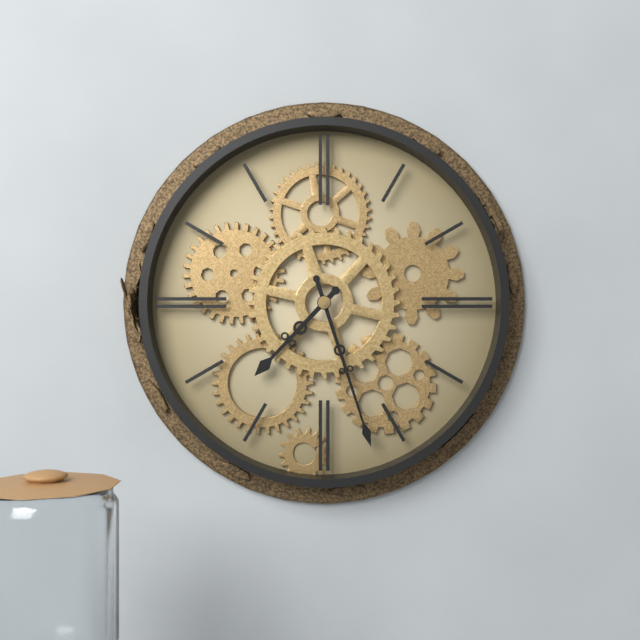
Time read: 7:27
